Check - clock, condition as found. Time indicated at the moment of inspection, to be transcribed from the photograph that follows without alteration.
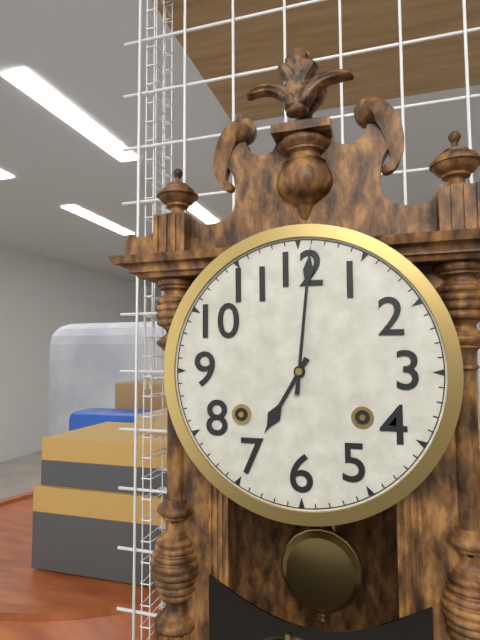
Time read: 7:01
